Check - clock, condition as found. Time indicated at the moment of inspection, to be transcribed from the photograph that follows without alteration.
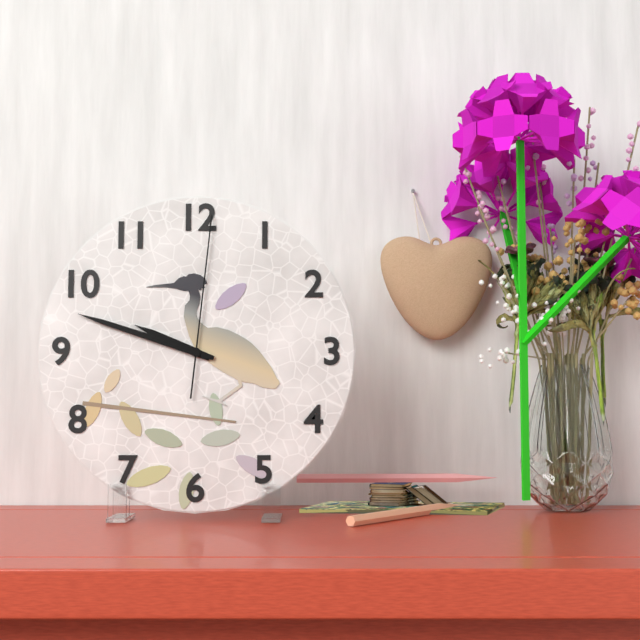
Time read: 9:48:01
